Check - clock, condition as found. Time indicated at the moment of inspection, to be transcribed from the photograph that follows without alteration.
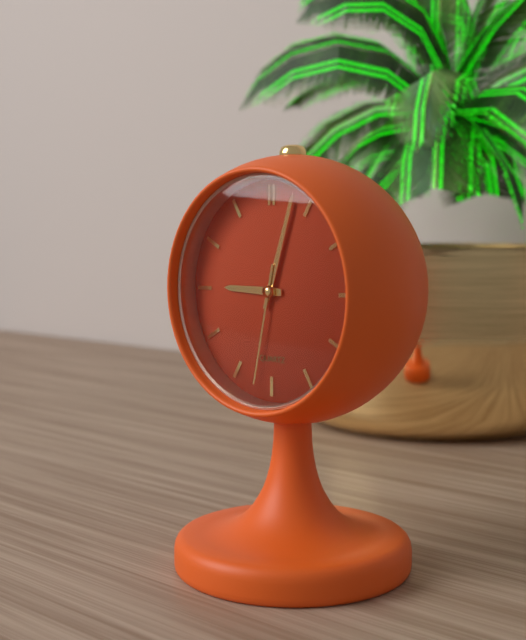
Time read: 9:03:32
